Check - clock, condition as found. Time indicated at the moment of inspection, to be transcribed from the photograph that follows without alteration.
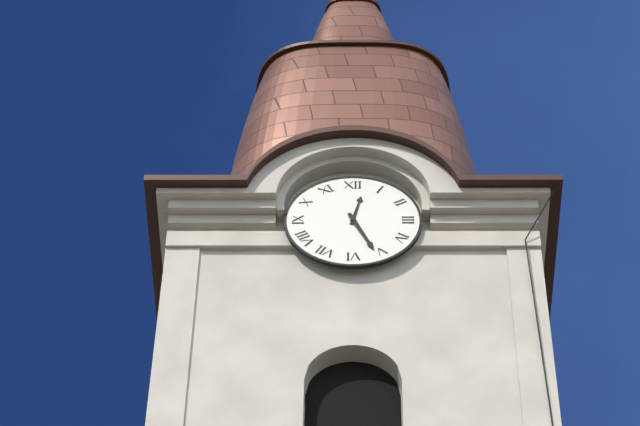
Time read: 12:26
